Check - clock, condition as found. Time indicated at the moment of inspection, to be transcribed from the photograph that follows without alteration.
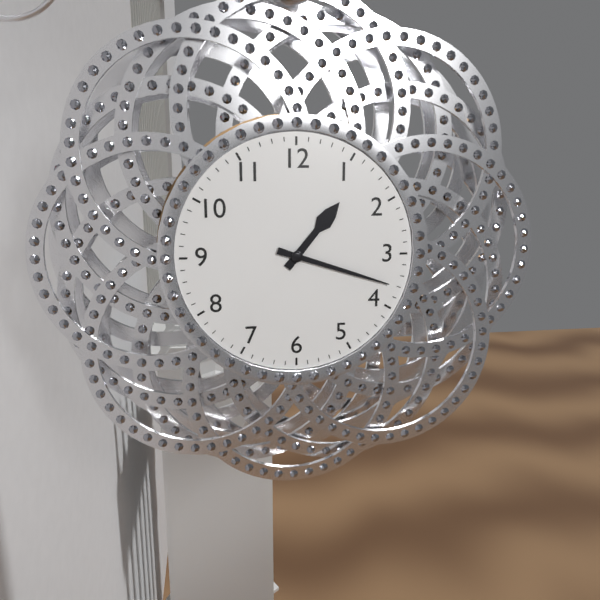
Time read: 1:18
